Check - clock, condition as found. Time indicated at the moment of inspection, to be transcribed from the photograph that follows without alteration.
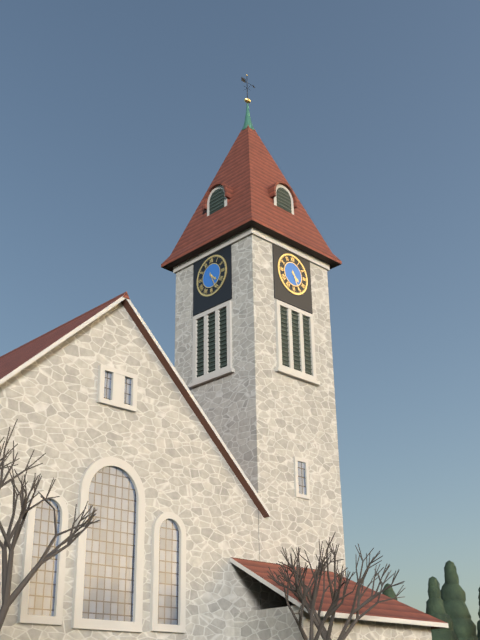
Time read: 4:26
